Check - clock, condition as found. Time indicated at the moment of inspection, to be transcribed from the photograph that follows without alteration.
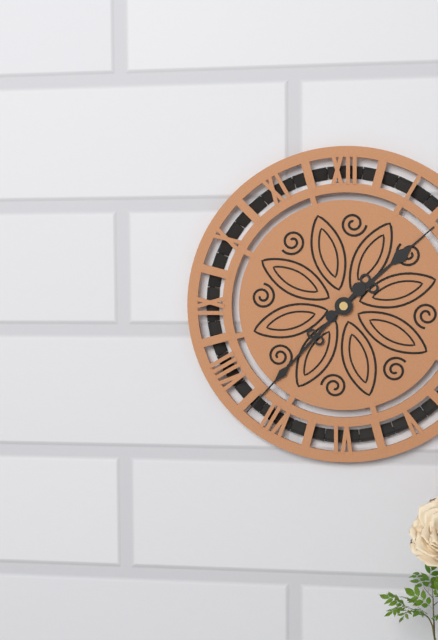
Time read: 1:37
